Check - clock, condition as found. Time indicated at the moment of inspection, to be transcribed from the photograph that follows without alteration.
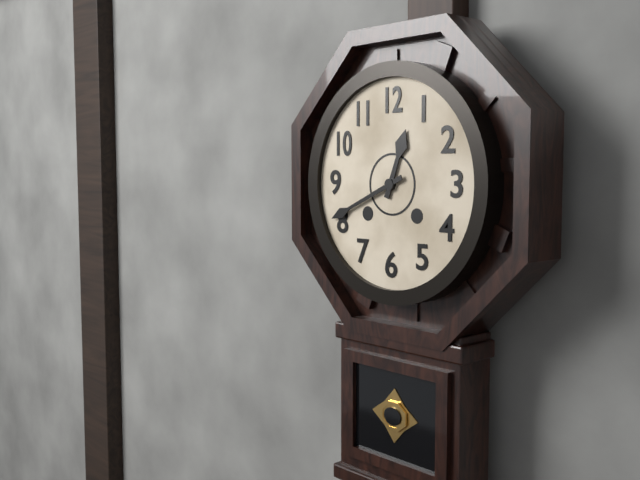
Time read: 12:41
